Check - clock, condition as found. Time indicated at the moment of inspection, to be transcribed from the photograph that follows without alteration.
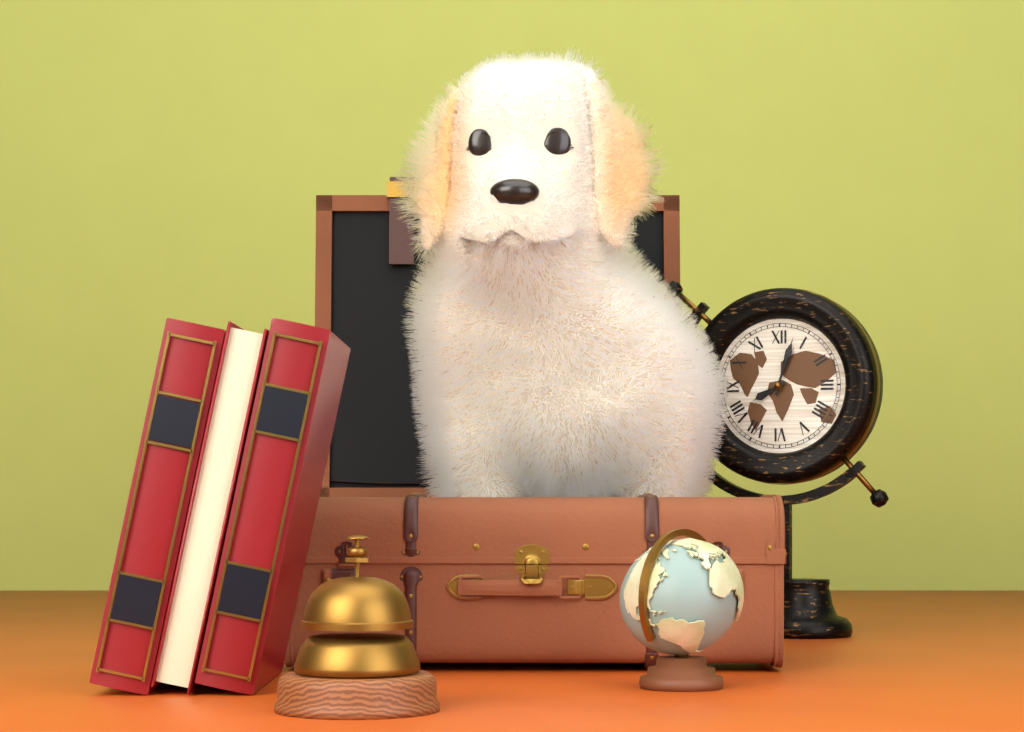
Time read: 8:03
